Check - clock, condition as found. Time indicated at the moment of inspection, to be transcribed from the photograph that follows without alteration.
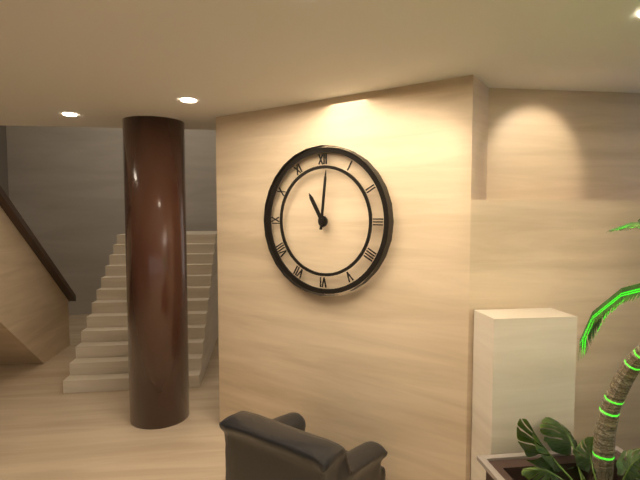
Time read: 11:01
